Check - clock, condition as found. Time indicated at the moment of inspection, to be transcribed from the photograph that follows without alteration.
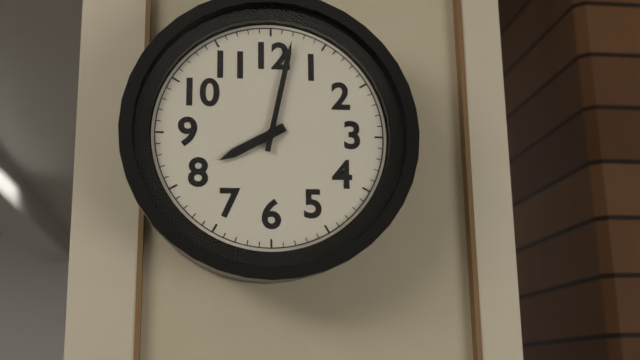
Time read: 8:02
